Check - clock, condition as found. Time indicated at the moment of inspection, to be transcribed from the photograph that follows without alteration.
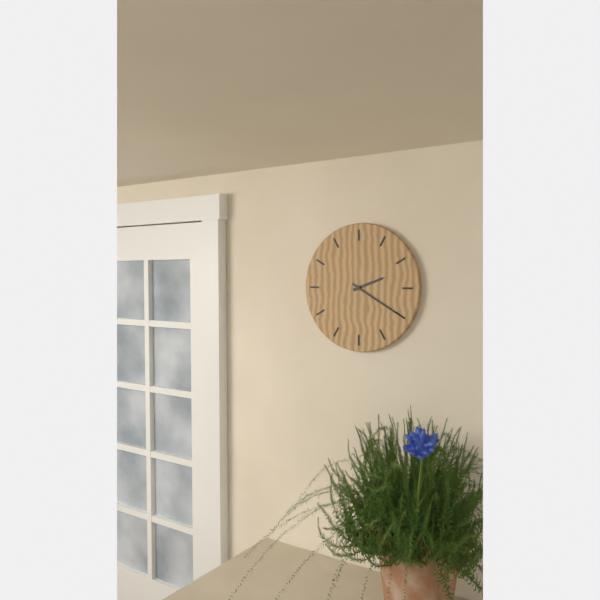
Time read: 2:20
